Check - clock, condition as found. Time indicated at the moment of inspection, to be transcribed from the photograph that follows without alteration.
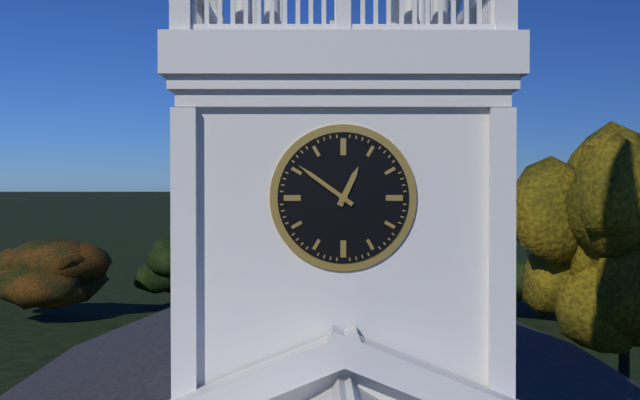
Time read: 12:51
